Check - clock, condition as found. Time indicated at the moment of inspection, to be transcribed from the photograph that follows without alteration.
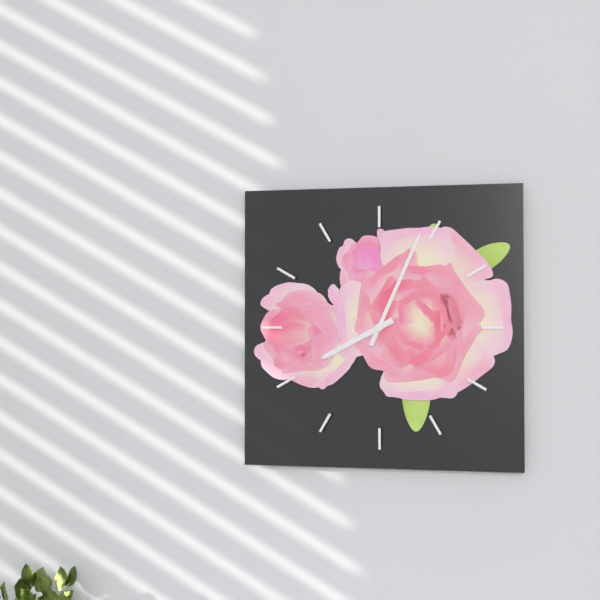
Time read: 8:04
